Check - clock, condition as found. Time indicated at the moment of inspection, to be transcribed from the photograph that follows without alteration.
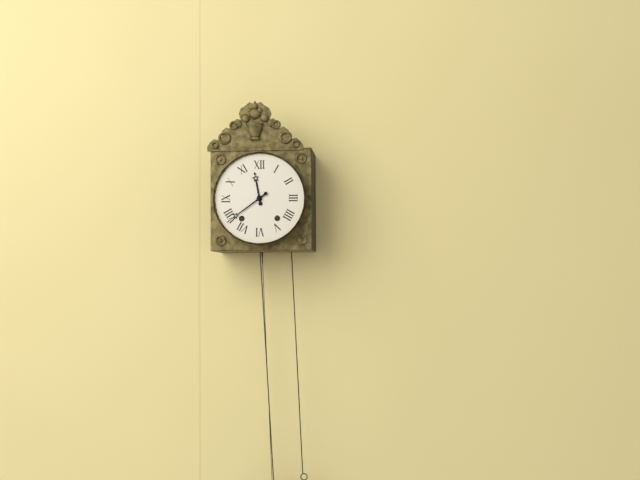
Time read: 11:39
